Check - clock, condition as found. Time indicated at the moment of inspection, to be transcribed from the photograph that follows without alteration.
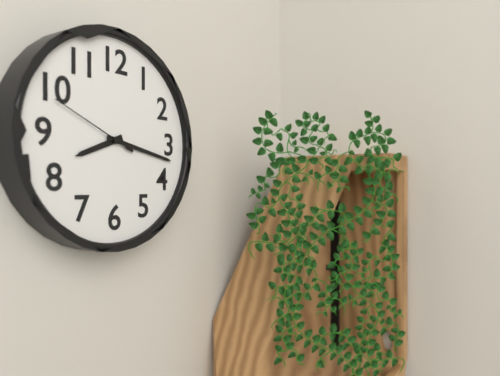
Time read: 8:17:49
